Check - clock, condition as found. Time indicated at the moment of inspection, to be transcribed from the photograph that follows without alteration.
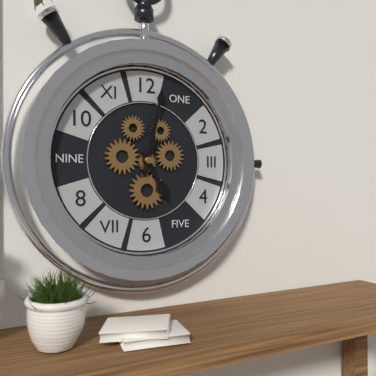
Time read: 5:02
